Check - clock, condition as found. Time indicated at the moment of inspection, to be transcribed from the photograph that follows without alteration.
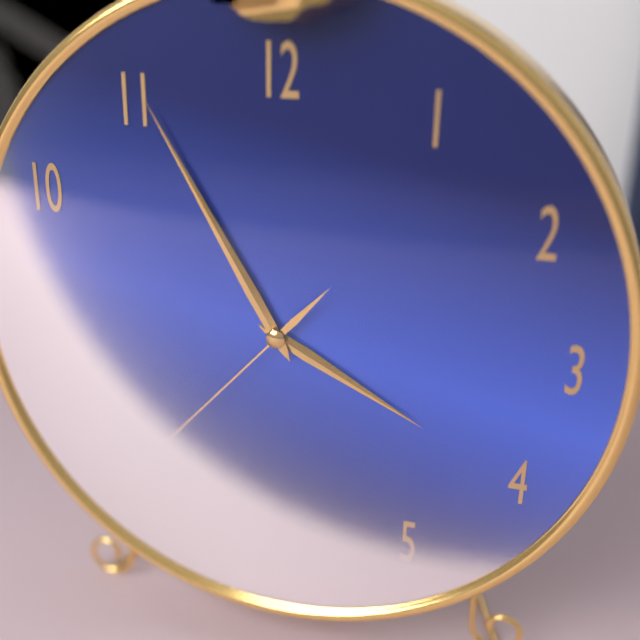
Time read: 3:55:37
